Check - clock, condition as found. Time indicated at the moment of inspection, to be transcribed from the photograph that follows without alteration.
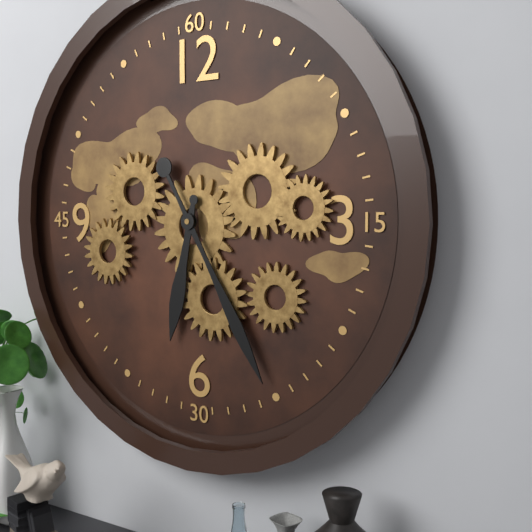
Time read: 6:25
